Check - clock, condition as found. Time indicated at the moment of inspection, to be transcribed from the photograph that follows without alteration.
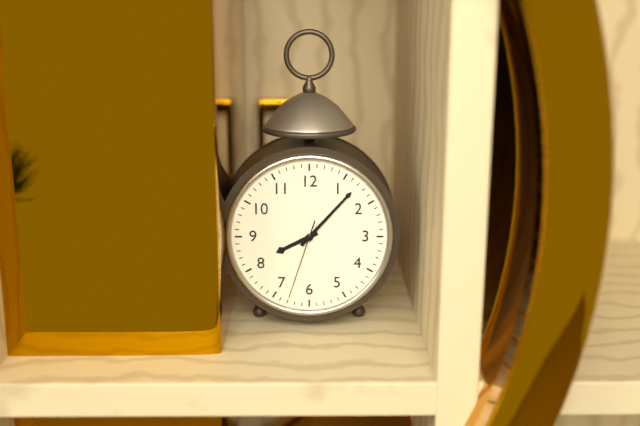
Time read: 8:07:33
